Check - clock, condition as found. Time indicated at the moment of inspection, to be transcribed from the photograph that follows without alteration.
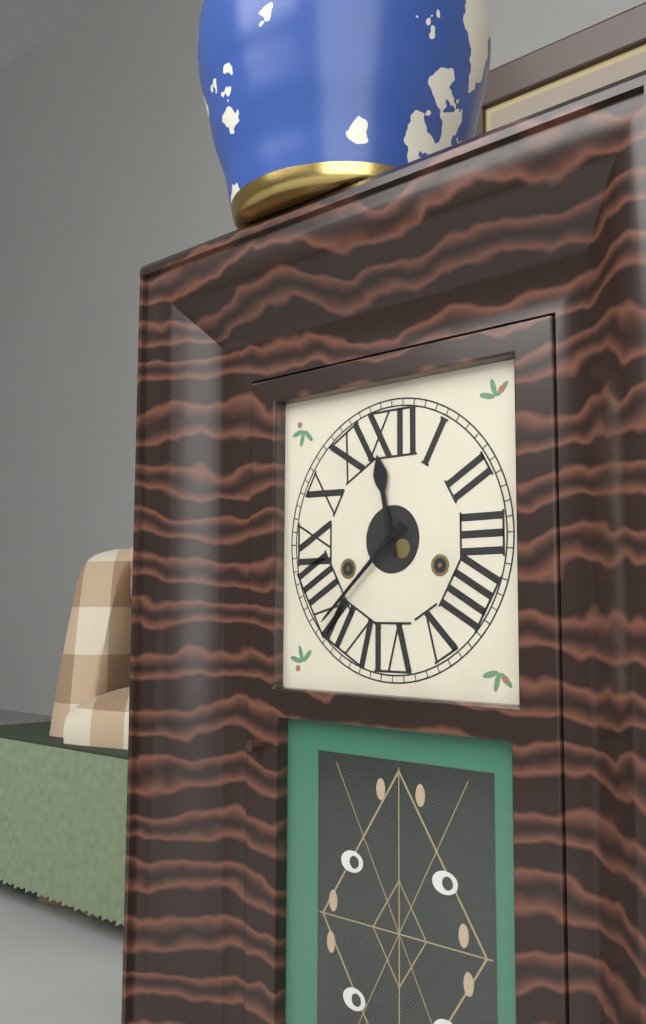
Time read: 11:38
